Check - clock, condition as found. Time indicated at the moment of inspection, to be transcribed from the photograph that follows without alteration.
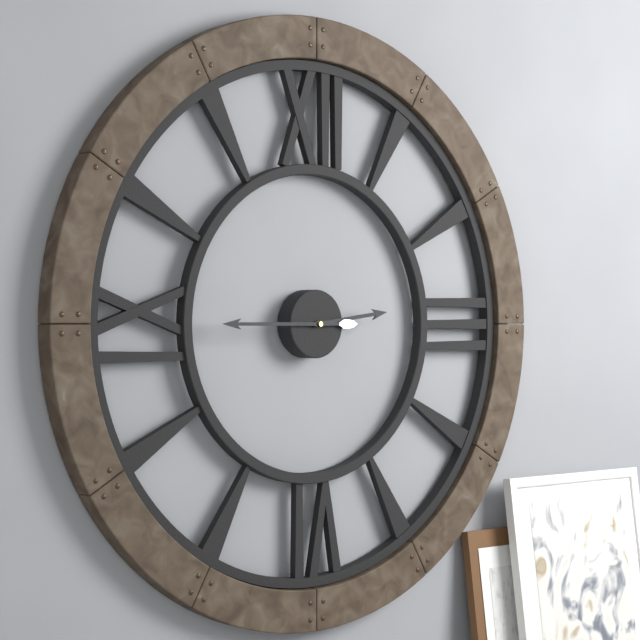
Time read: 2:45
